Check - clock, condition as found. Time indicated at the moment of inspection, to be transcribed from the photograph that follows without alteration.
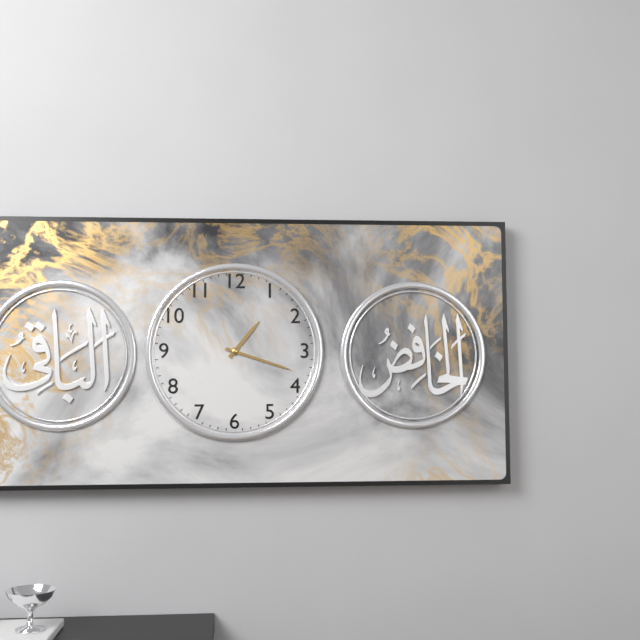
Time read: 1:18
